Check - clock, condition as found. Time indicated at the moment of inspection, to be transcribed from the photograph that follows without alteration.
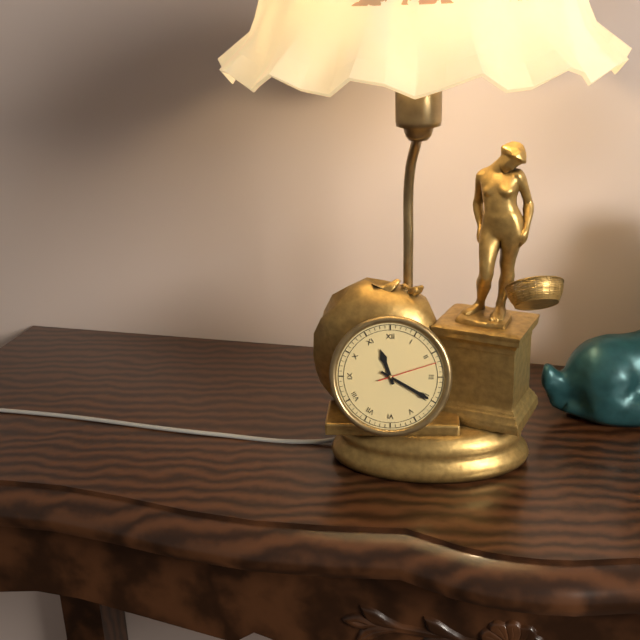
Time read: 11:20:12
